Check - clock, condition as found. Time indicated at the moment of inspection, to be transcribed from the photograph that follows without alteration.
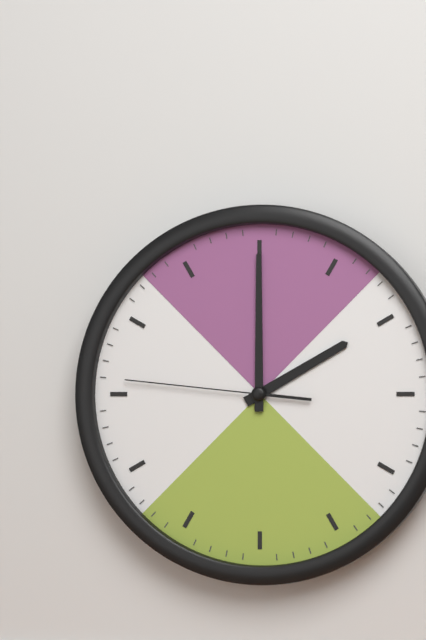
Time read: 2:00:46
